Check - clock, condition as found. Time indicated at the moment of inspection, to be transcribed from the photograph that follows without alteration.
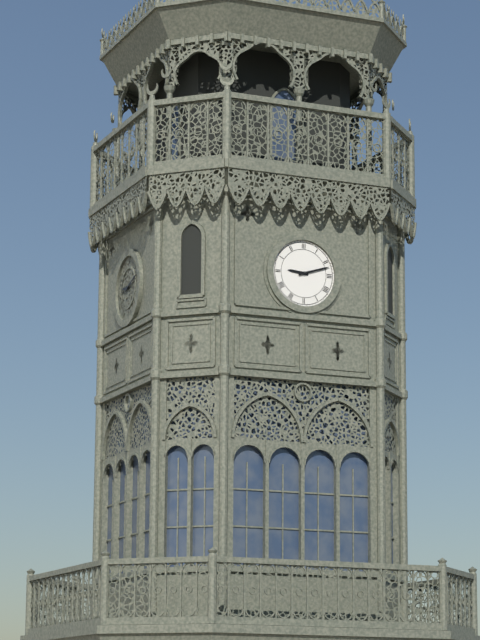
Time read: 9:12
